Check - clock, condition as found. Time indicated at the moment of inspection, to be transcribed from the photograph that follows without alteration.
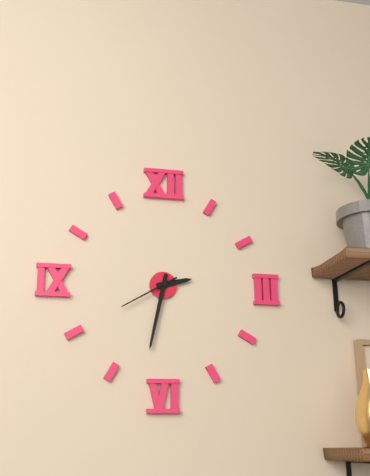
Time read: 2:32:40
